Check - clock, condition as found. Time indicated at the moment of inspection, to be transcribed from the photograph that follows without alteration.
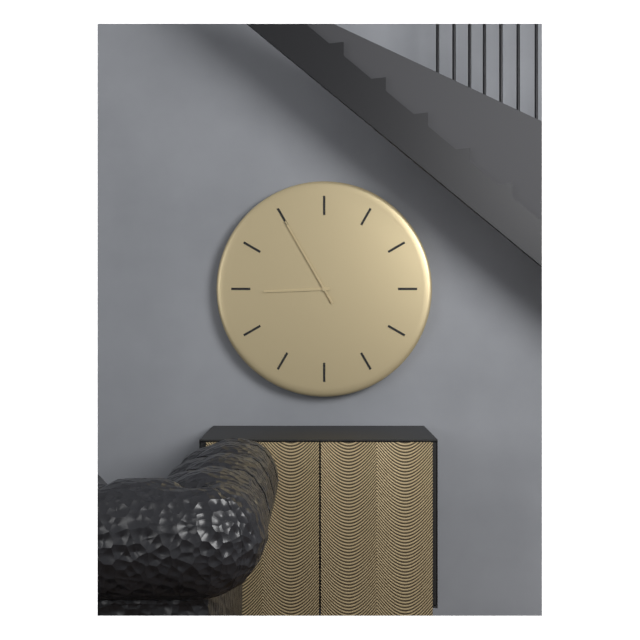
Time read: 8:55
